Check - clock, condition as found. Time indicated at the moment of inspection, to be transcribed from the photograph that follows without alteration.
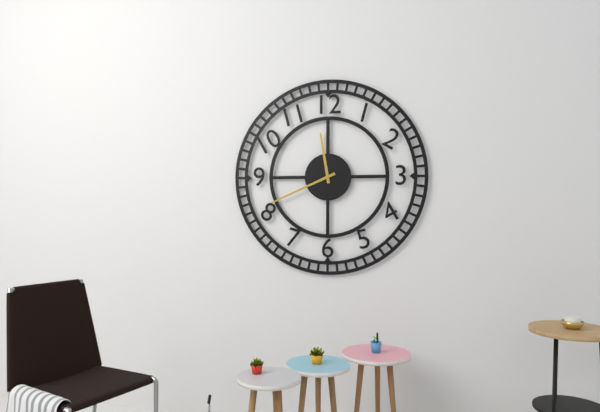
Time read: 11:41
